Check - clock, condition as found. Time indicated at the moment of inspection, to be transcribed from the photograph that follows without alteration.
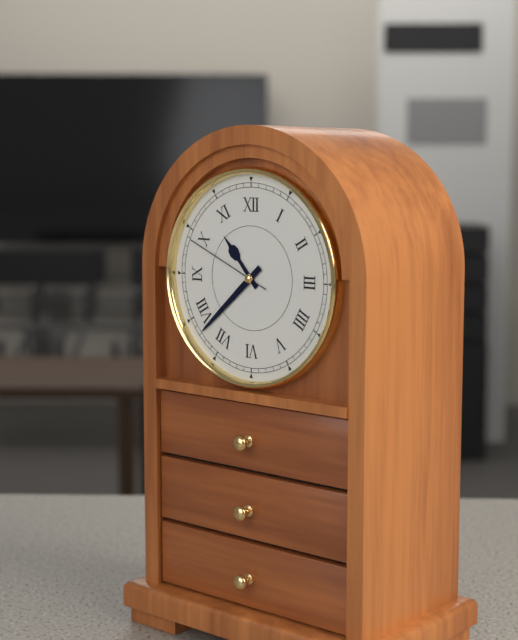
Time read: 10:38:49
